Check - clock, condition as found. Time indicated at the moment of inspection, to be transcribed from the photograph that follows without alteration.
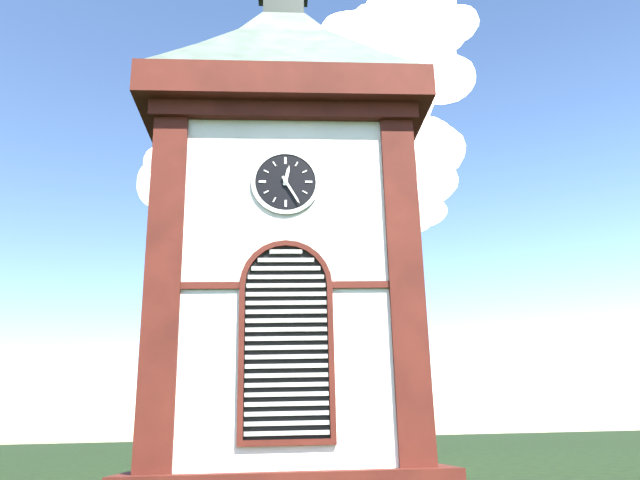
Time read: 12:25
